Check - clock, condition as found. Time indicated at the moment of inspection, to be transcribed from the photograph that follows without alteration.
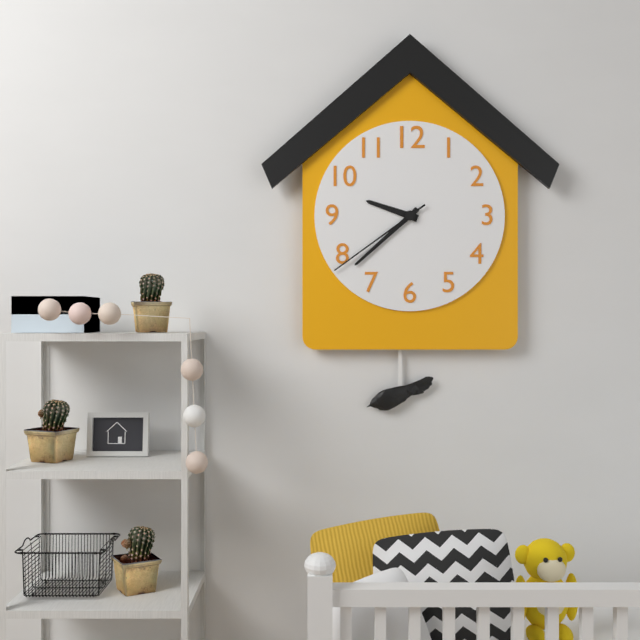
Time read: 9:38:39
